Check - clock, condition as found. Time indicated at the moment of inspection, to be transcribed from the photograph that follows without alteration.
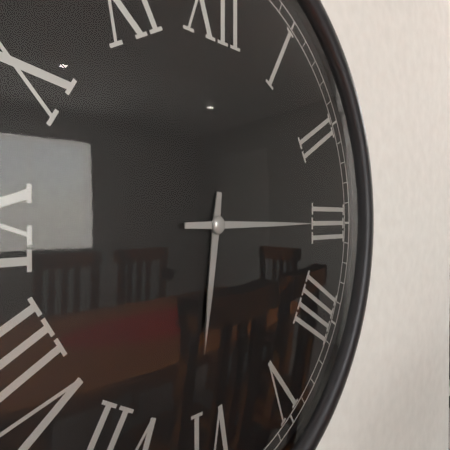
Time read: 6:15
